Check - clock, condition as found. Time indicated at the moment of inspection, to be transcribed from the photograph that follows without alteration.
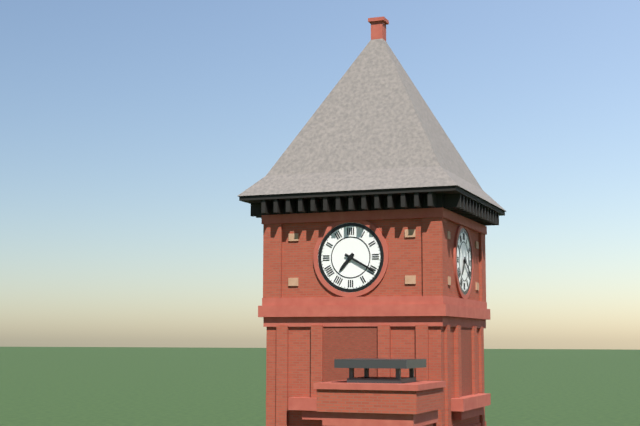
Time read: 7:20
